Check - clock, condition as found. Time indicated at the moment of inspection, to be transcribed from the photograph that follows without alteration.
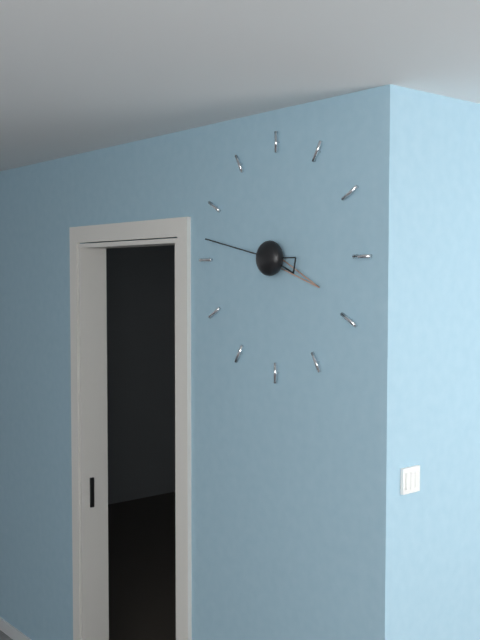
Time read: 3:47
